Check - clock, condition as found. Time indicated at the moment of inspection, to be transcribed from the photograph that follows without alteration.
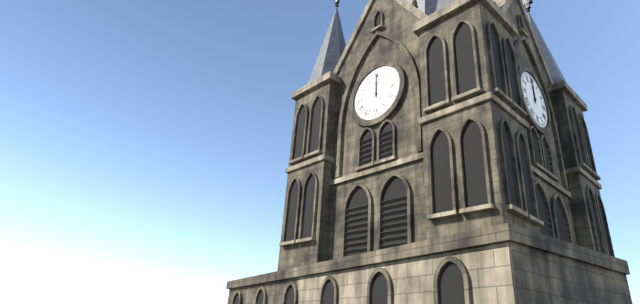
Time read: 12:00
